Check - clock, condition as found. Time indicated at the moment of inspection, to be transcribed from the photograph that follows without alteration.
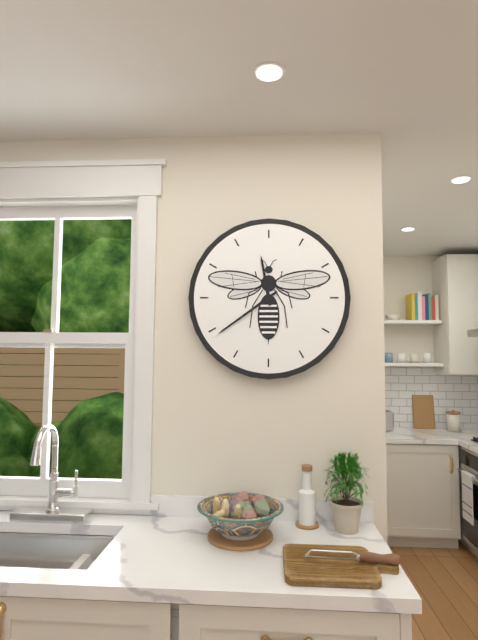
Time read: 11:39
